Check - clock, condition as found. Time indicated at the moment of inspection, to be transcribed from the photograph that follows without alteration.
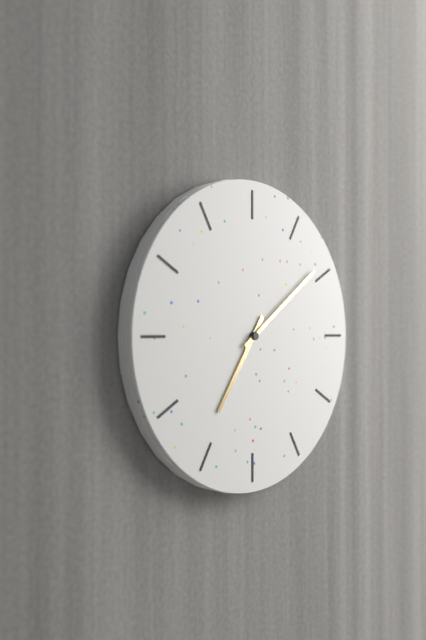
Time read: 7:09
